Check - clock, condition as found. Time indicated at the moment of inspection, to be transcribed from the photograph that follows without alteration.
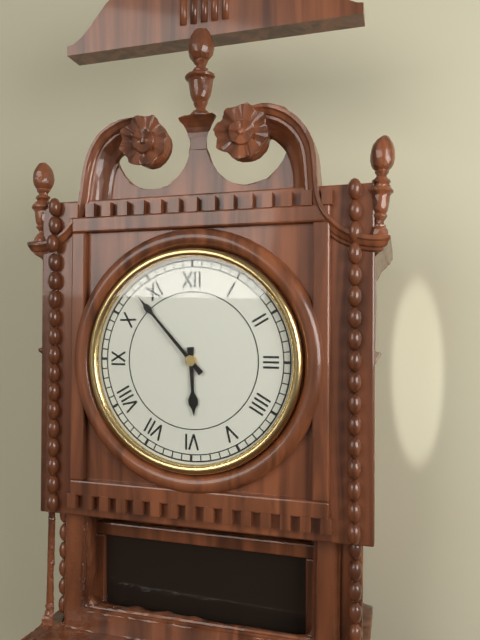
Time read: 5:53
